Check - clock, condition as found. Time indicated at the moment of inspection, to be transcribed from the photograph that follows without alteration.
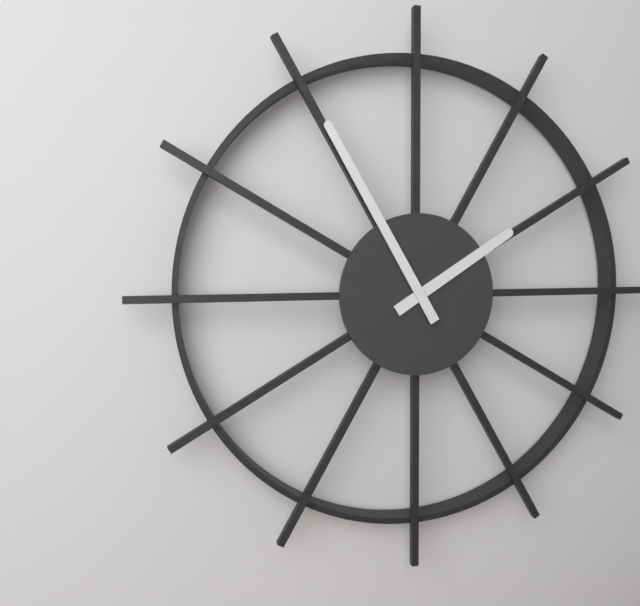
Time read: 1:55
